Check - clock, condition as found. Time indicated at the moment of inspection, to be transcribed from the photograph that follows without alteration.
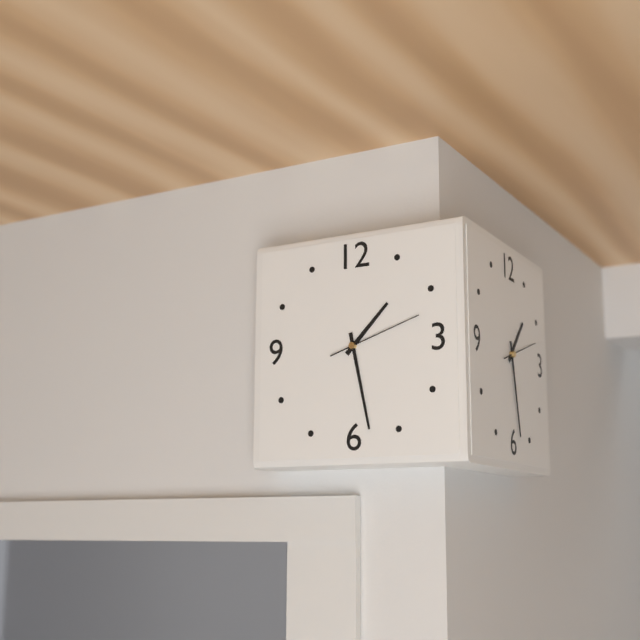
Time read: 1:28:12
